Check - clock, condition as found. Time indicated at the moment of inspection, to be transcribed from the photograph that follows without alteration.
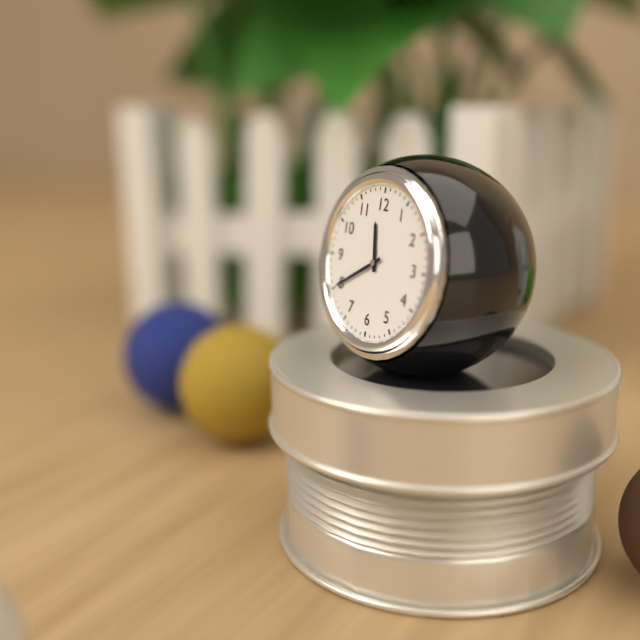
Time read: 11:40
